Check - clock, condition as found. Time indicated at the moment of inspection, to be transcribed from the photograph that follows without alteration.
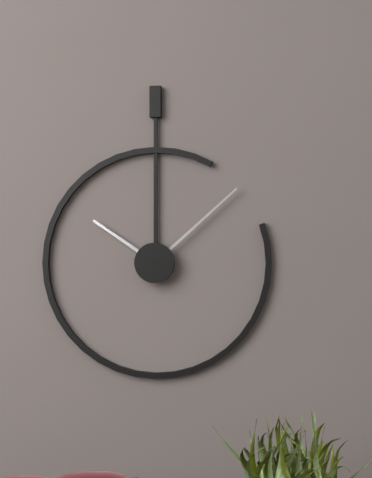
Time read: 10:08
